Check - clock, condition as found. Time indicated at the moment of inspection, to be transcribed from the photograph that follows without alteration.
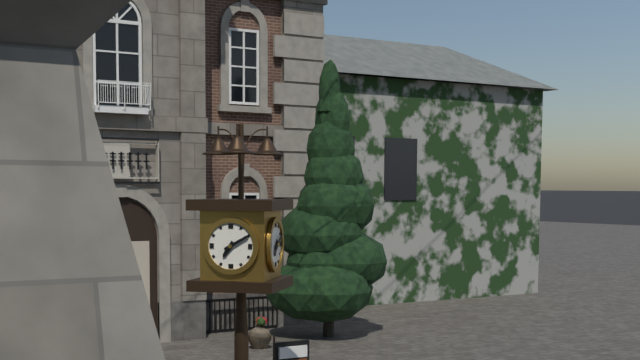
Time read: 7:10
